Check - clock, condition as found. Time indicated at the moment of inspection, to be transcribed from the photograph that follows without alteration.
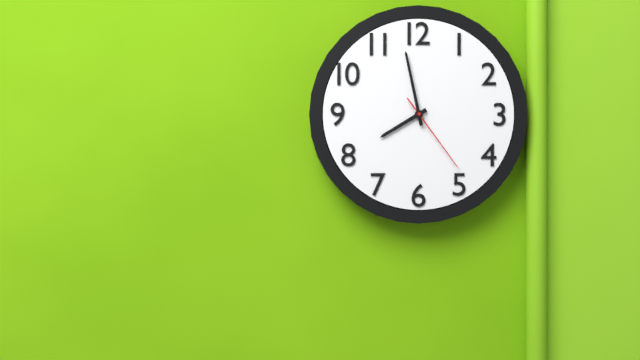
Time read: 7:58:24
